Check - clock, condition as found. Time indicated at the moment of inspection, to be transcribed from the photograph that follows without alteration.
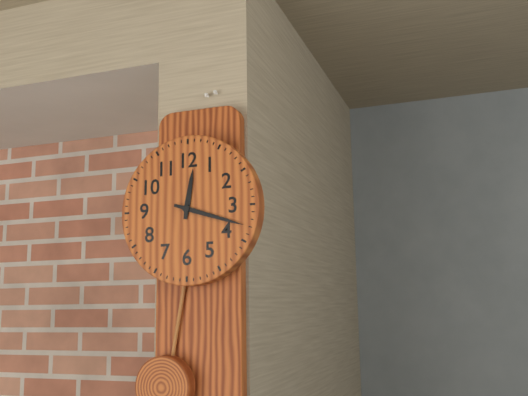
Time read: 12:18
